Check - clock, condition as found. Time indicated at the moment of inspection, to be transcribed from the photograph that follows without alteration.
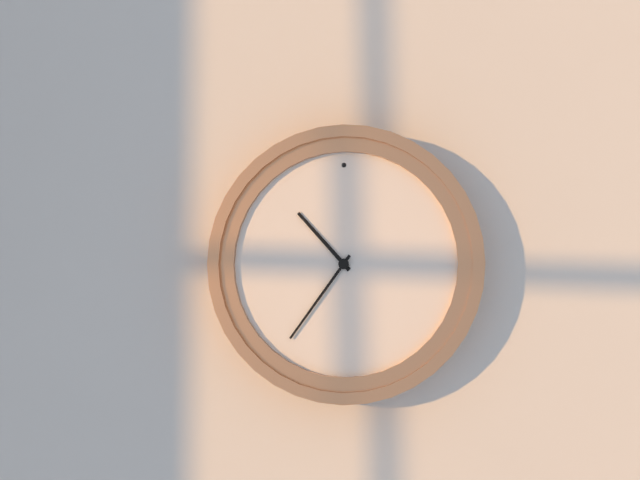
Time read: 10:36
